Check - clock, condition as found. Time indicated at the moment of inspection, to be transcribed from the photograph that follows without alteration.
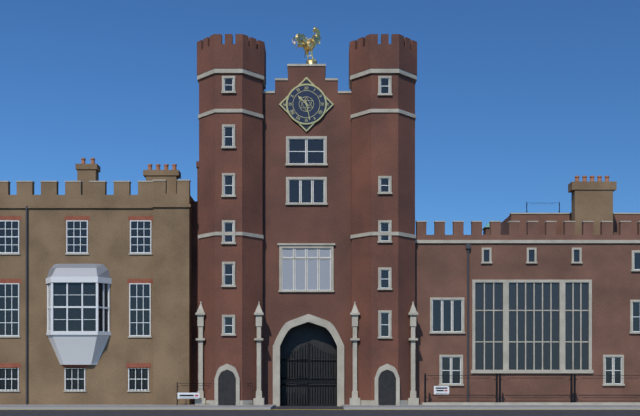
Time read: 10:28
